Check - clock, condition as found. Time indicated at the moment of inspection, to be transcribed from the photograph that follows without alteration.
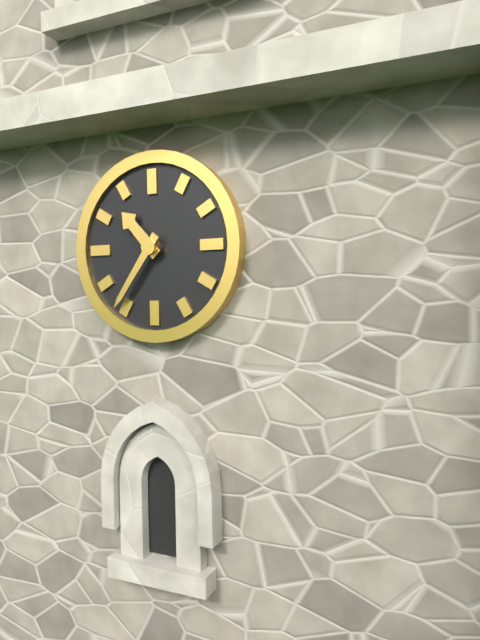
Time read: 10:36
